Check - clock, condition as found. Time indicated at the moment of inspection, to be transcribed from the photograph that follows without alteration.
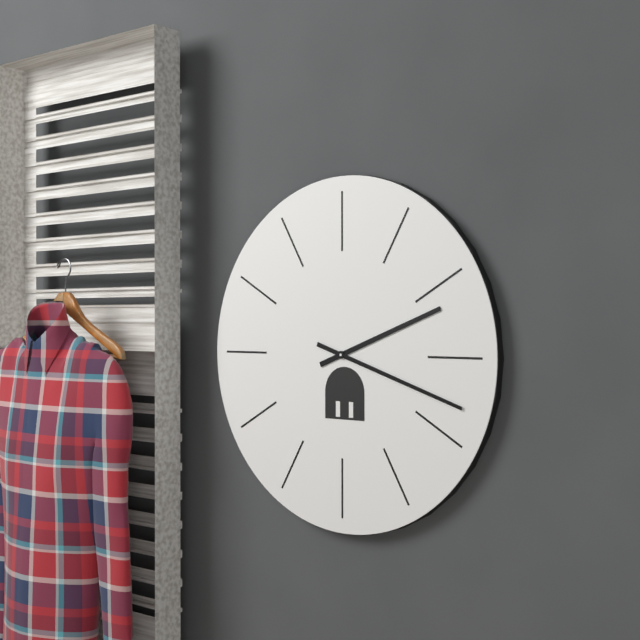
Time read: 2:18
